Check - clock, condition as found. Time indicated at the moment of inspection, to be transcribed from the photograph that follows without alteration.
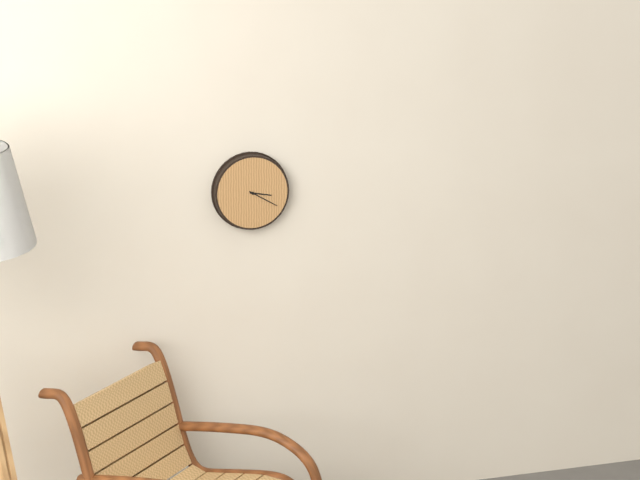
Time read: 3:20
